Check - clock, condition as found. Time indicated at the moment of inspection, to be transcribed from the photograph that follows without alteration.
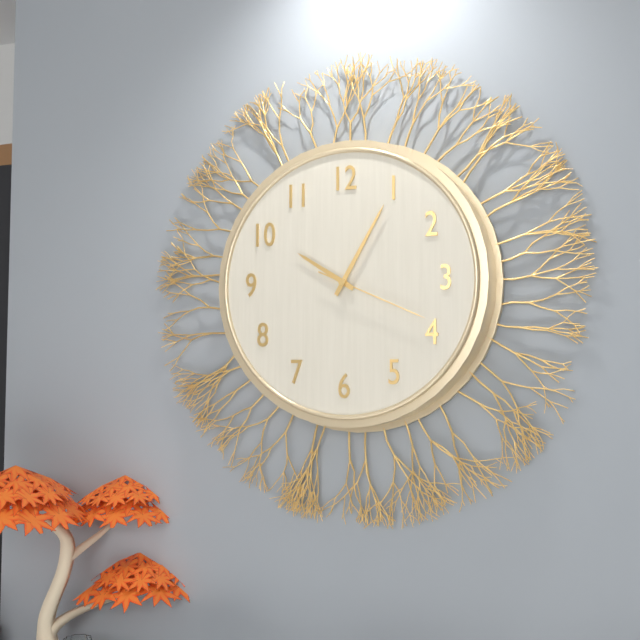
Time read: 10:05:19
